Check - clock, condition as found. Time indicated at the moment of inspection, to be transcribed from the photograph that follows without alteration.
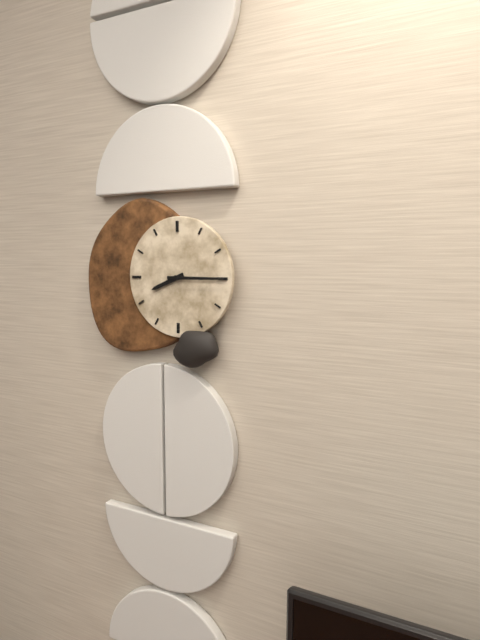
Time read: 8:15
